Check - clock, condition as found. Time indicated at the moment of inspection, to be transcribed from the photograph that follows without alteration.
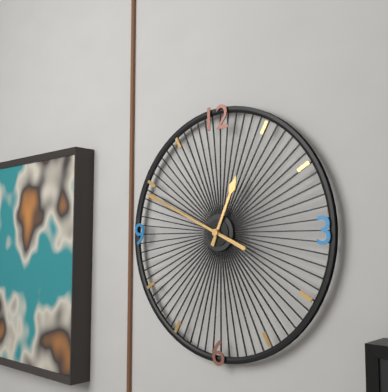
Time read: 12:49
